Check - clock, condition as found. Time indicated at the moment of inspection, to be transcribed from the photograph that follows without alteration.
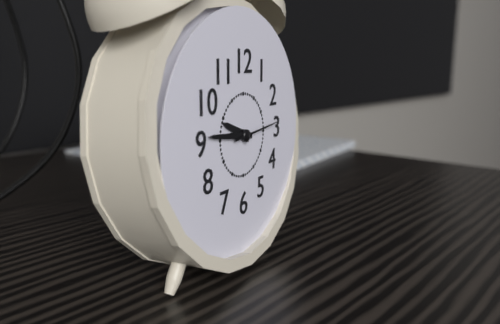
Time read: 9:46
